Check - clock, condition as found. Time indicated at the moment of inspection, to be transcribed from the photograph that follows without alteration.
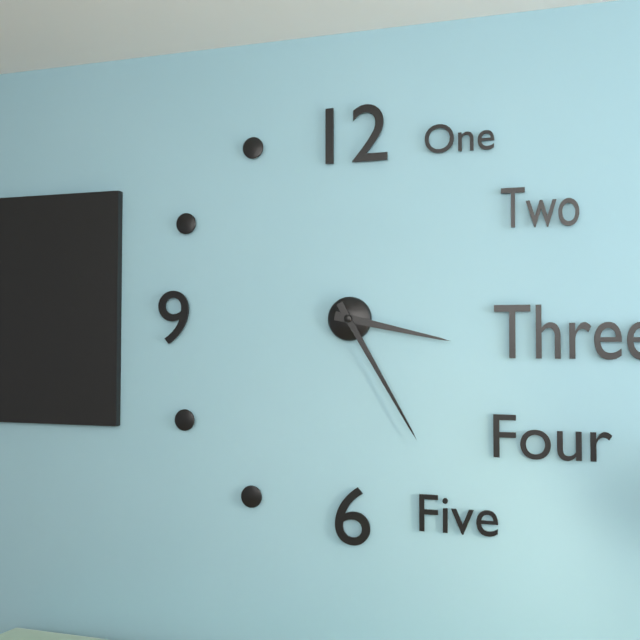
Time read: 3:25
